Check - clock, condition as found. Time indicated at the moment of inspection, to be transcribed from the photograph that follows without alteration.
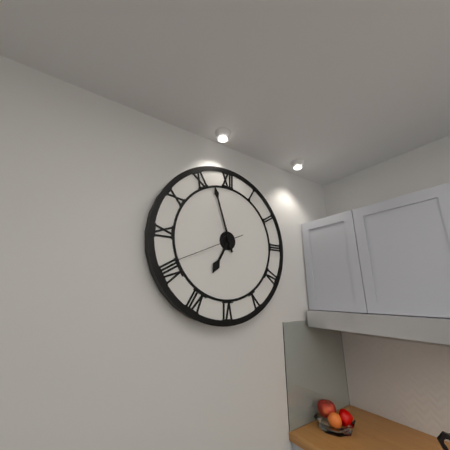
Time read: 6:57:41
